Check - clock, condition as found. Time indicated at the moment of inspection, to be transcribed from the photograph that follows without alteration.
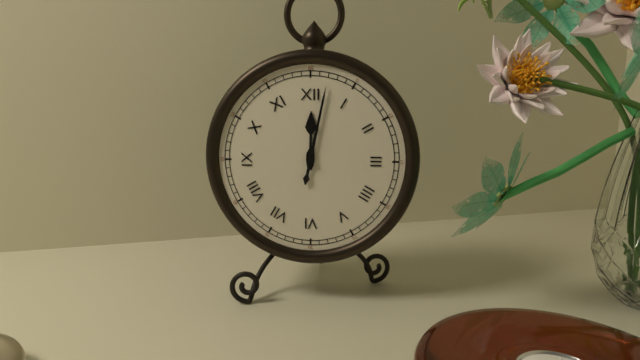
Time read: 12:02
